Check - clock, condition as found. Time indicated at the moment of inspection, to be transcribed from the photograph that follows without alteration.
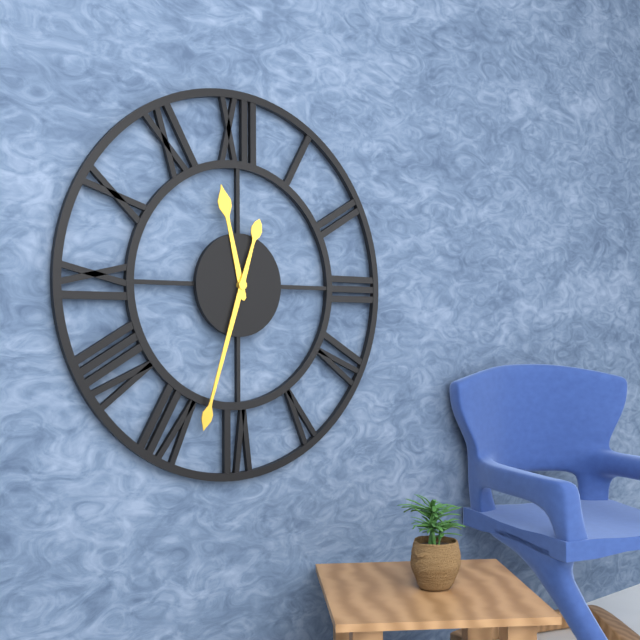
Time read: 11:33
